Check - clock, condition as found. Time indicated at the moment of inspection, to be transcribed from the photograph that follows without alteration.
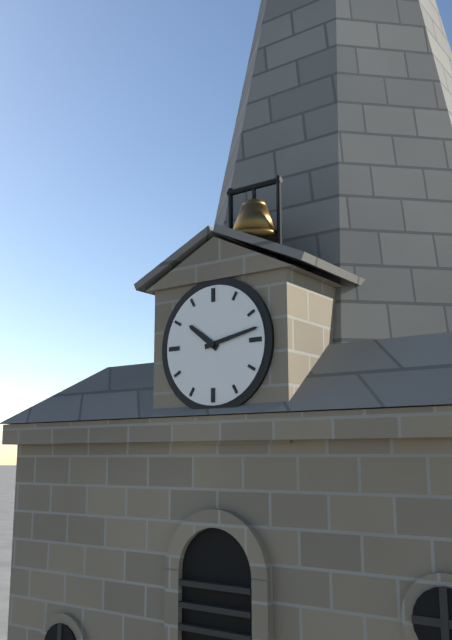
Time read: 10:13
